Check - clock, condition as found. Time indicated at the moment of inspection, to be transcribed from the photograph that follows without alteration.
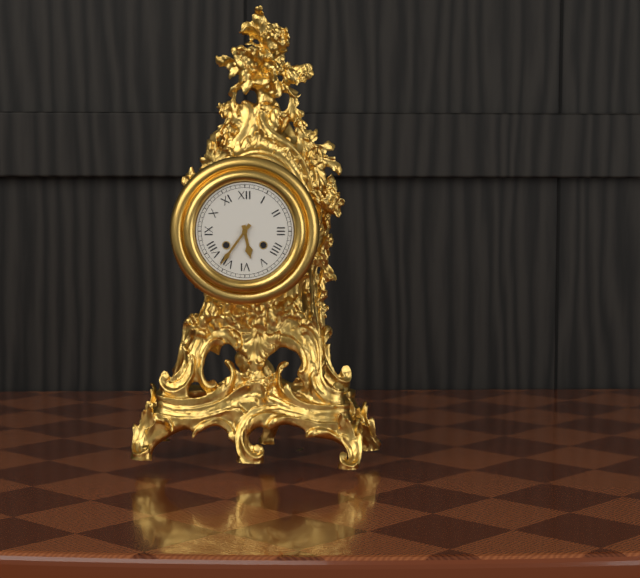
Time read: 5:36
